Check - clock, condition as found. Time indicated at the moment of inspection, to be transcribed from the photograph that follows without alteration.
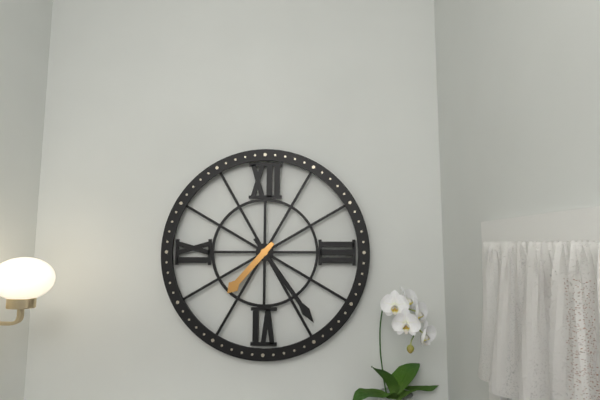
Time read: 7:24
